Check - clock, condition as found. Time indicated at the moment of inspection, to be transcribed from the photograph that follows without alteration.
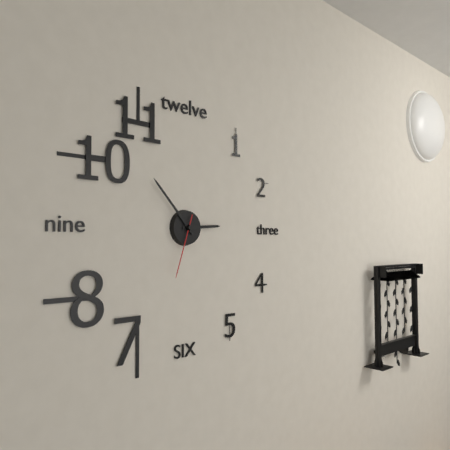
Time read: 2:53:33
